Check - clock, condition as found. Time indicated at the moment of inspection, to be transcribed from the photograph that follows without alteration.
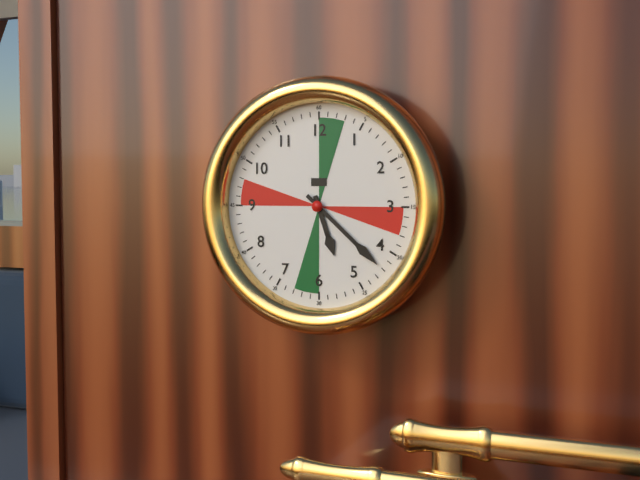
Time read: 5:22
